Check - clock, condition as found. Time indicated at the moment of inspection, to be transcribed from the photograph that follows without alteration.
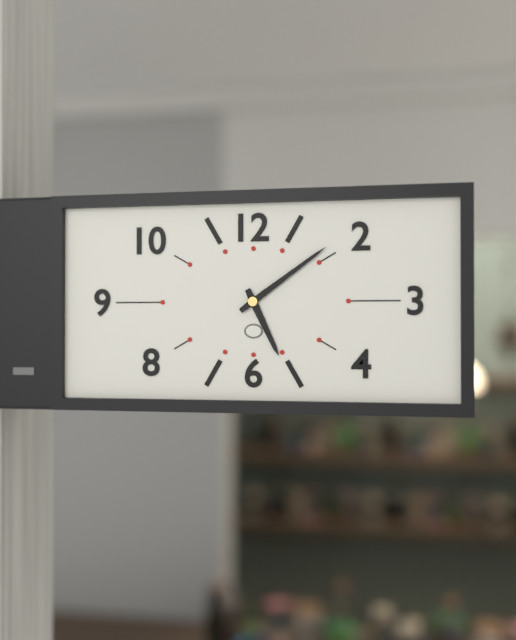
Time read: 5:09
